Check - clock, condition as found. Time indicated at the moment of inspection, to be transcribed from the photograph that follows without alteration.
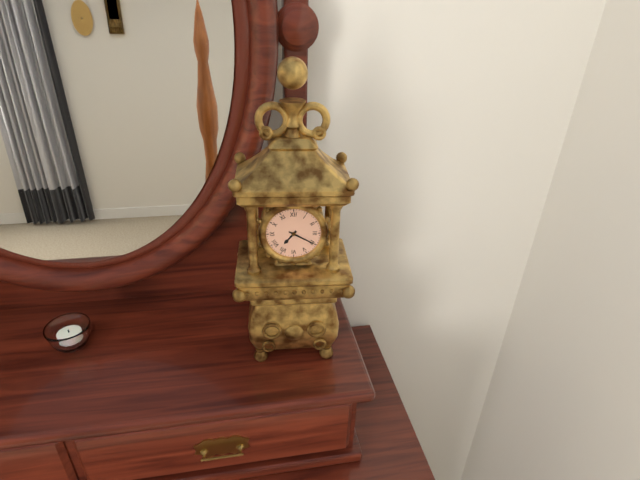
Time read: 7:20
